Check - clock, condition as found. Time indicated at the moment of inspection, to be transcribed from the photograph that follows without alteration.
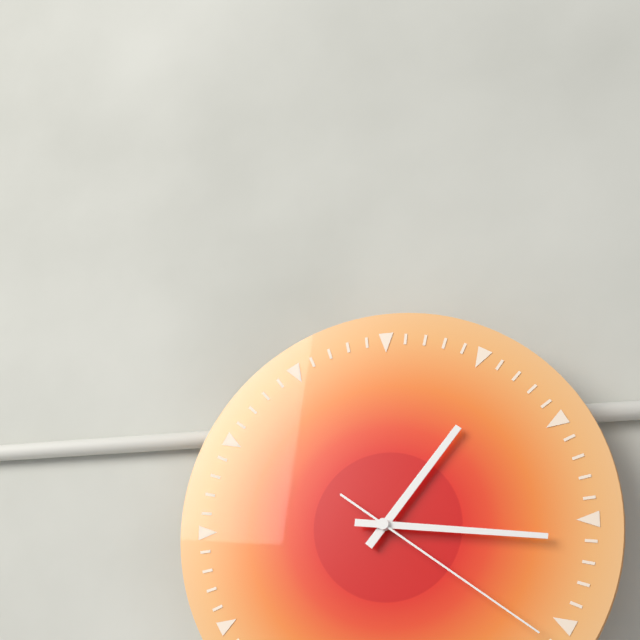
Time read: 1:16:21
